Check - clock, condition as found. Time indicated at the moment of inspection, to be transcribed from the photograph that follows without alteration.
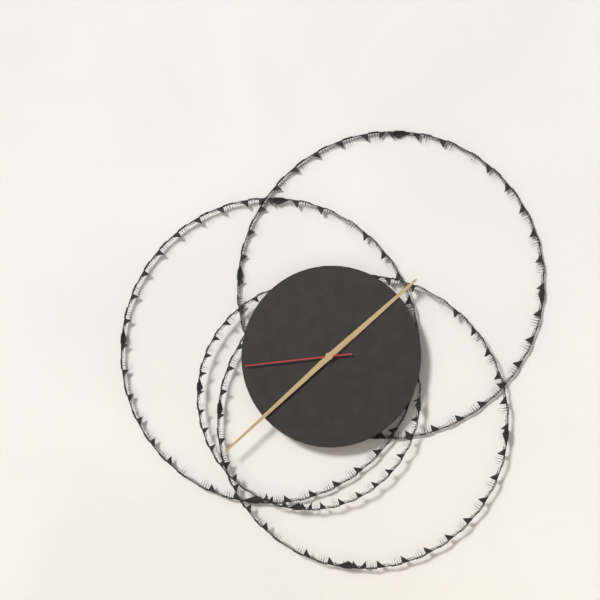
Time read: 1:38:44
